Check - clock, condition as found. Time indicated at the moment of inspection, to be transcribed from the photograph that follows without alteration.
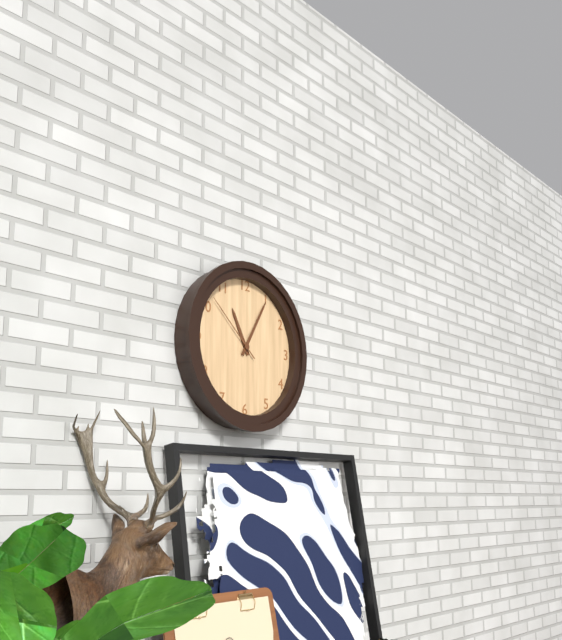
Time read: 11:05:52
